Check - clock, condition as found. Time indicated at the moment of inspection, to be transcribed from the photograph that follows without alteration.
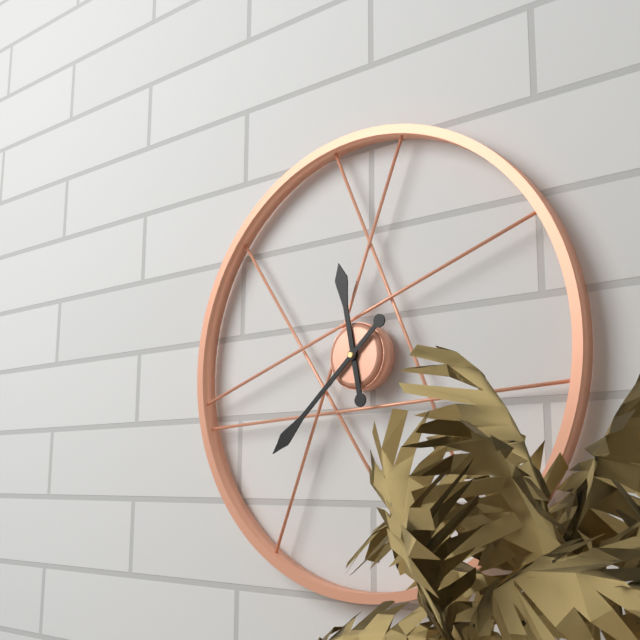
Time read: 11:38
